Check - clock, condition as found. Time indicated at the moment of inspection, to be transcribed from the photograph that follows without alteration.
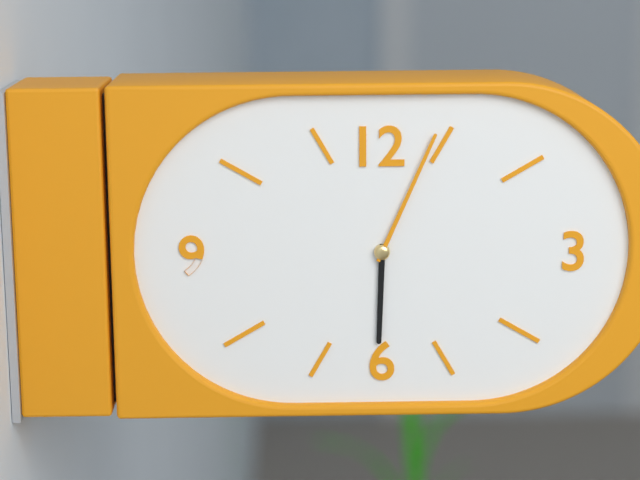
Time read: 6:04
